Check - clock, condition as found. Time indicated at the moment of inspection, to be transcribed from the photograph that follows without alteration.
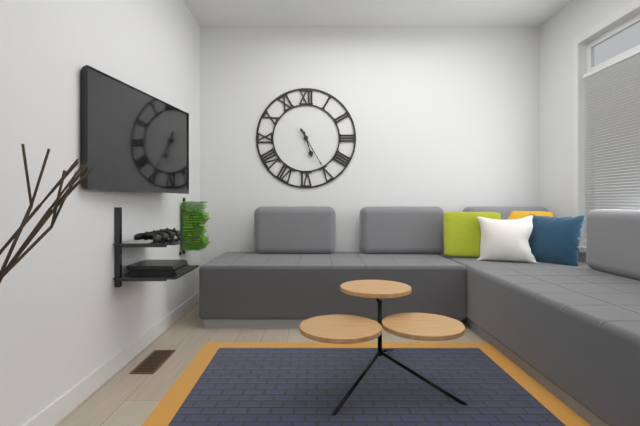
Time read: 5:25
